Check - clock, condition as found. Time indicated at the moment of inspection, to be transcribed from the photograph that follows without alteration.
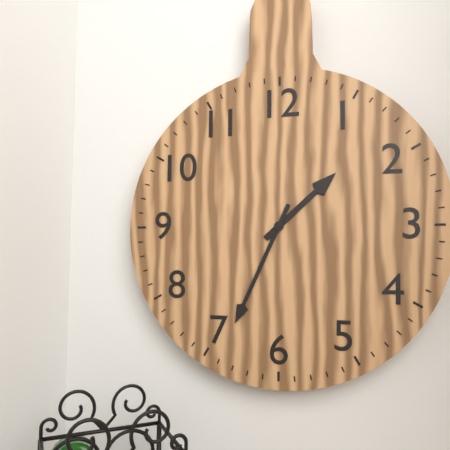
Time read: 1:34
